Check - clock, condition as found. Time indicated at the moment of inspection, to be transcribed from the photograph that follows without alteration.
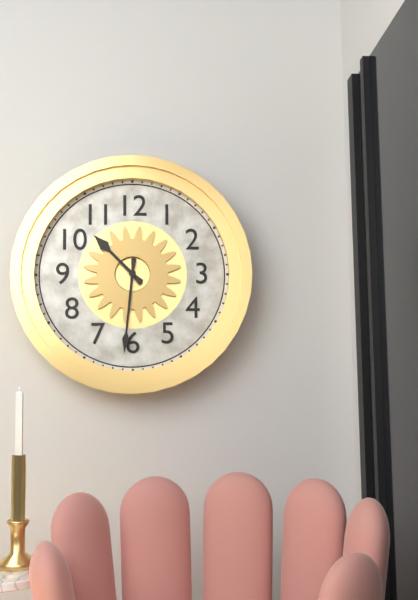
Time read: 10:31
